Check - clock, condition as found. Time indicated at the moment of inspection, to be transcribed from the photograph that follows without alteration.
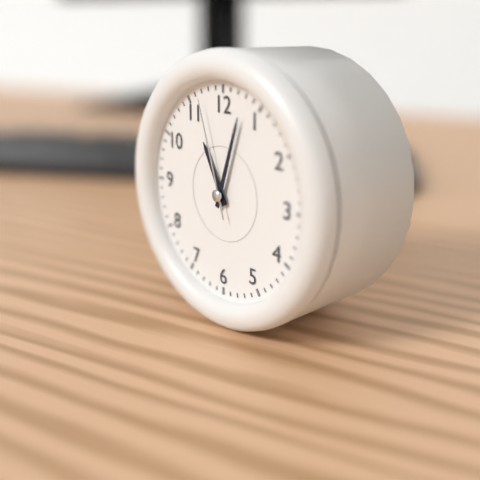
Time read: 11:03:57
